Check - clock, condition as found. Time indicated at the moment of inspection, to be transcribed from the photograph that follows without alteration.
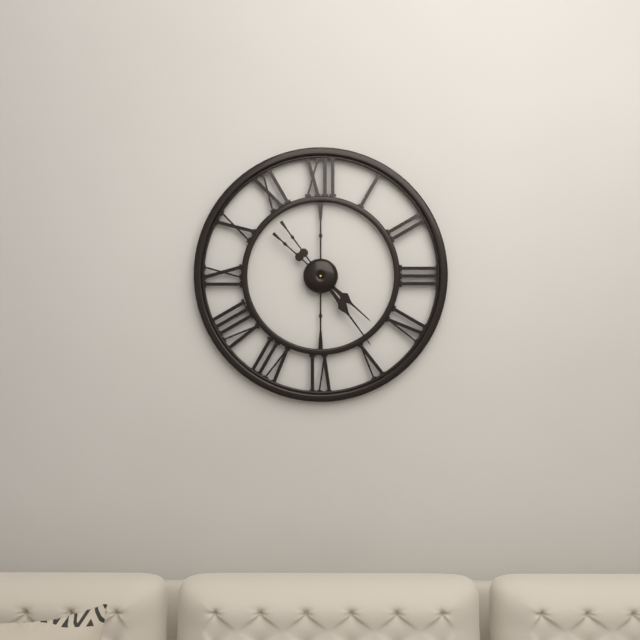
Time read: 4:24
